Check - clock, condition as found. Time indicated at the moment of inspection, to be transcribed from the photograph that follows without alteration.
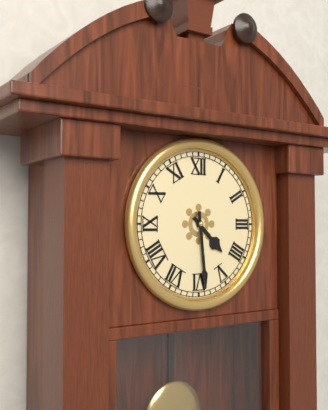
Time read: 4:29
